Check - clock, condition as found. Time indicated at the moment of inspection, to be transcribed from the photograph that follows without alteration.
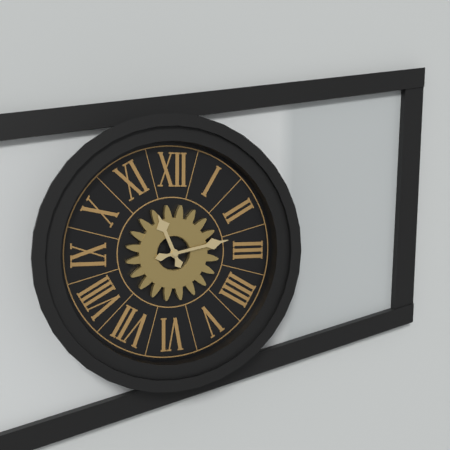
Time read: 11:13
